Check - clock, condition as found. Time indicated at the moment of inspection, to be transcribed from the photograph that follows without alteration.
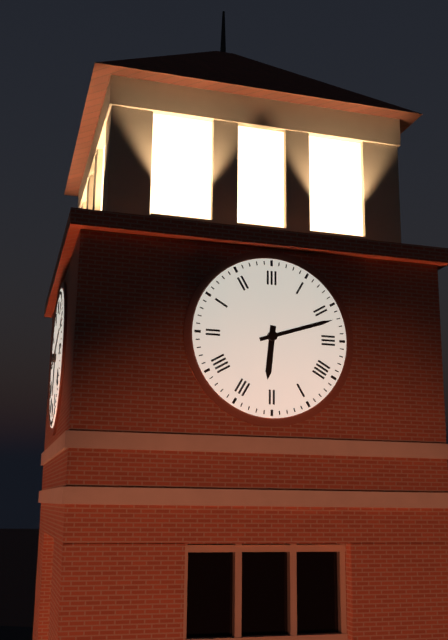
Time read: 6:12
